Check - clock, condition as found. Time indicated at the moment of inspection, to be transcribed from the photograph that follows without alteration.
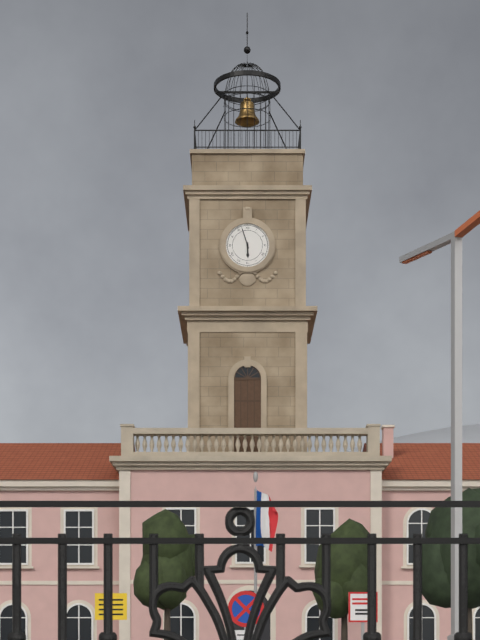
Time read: 5:57
